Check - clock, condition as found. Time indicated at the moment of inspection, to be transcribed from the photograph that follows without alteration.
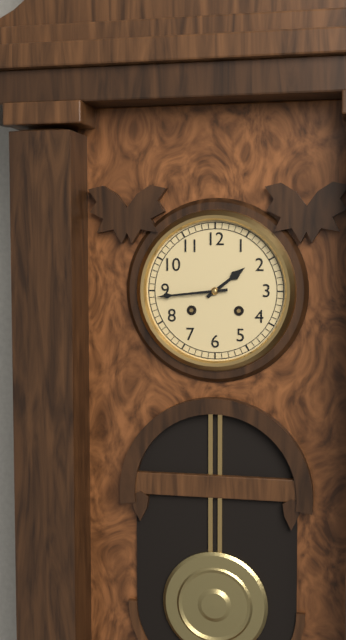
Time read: 1:44
